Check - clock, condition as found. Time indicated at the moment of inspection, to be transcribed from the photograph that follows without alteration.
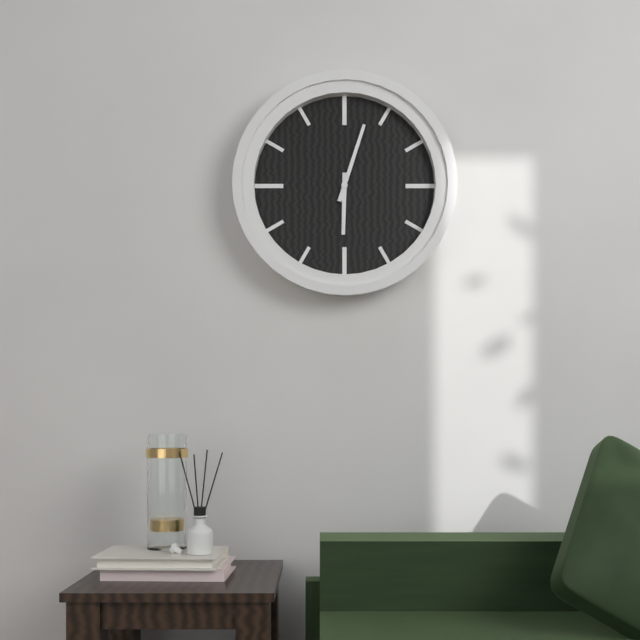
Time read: 6:03
